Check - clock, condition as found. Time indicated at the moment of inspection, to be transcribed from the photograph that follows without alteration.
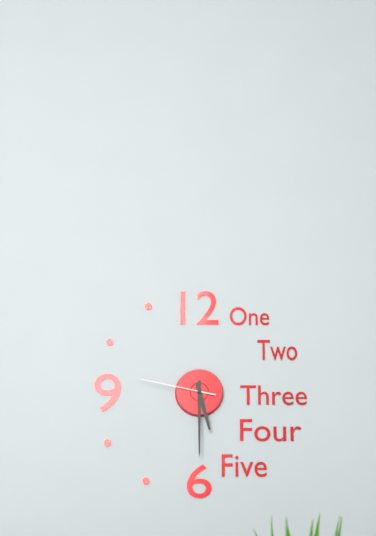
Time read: 5:30:47
